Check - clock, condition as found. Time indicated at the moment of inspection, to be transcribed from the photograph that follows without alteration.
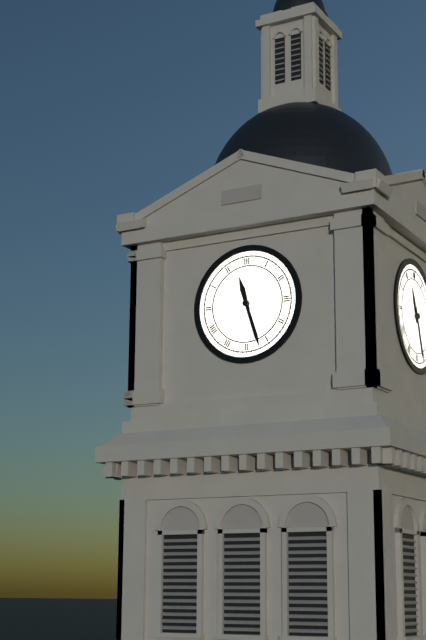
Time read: 11:27
